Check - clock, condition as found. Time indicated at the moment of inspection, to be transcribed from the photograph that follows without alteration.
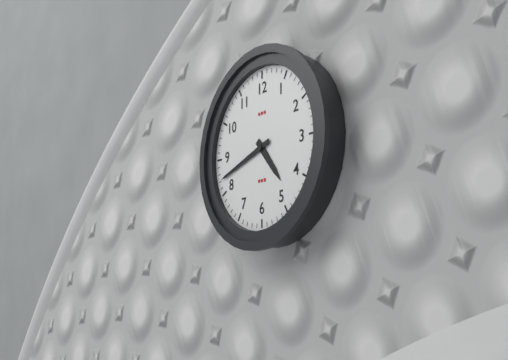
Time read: 4:42
